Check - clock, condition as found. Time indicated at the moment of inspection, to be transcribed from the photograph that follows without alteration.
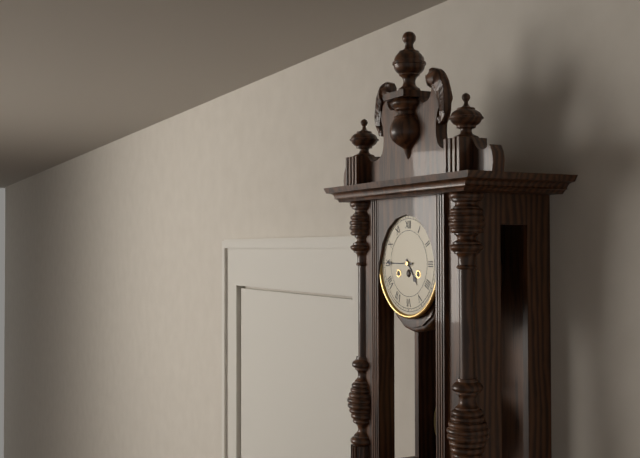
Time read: 4:45
